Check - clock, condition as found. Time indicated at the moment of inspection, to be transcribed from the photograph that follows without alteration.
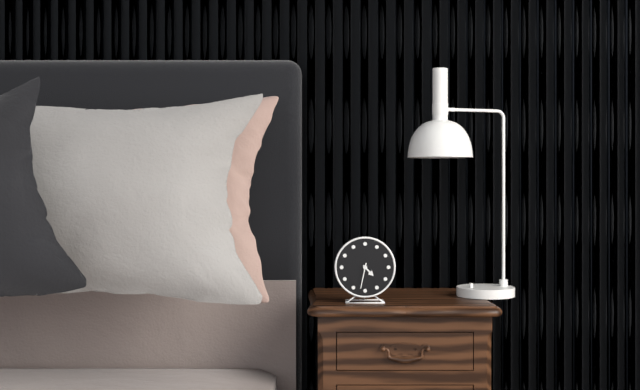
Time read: 4:32
